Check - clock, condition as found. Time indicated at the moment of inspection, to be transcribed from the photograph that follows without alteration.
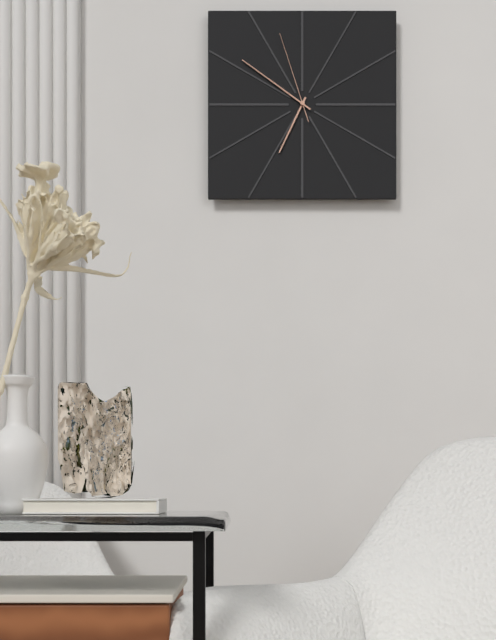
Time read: 6:51:57
